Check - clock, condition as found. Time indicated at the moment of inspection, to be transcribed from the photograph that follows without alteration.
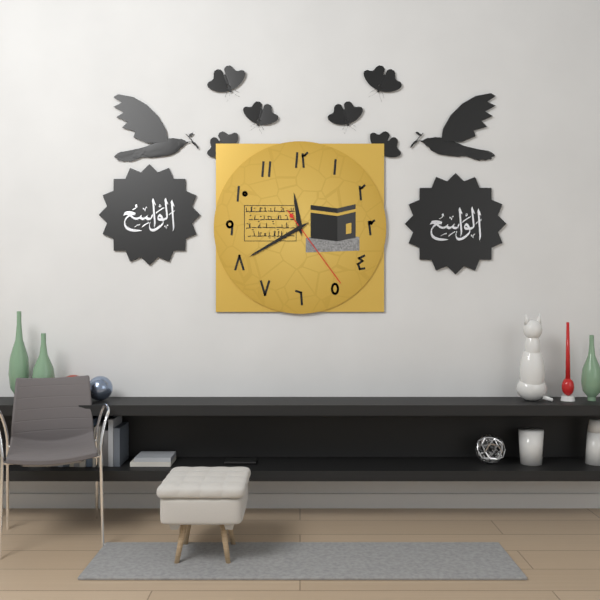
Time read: 11:40:24
